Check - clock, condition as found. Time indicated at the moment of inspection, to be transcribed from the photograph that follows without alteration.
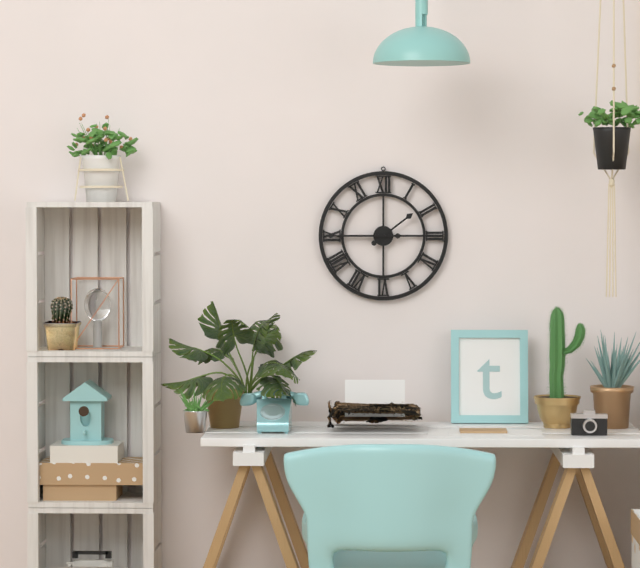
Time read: 1:45
